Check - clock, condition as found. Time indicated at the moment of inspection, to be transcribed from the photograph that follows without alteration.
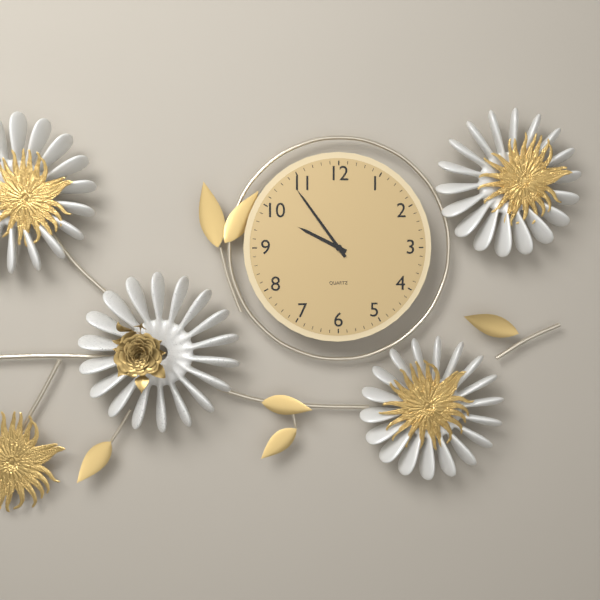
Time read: 9:54
